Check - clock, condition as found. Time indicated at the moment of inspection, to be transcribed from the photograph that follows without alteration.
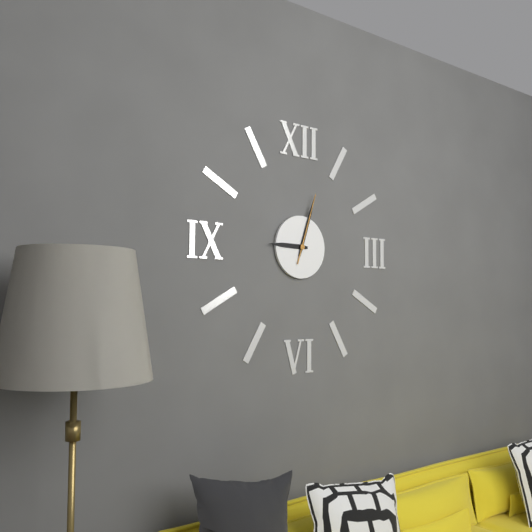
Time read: 9:03:03
